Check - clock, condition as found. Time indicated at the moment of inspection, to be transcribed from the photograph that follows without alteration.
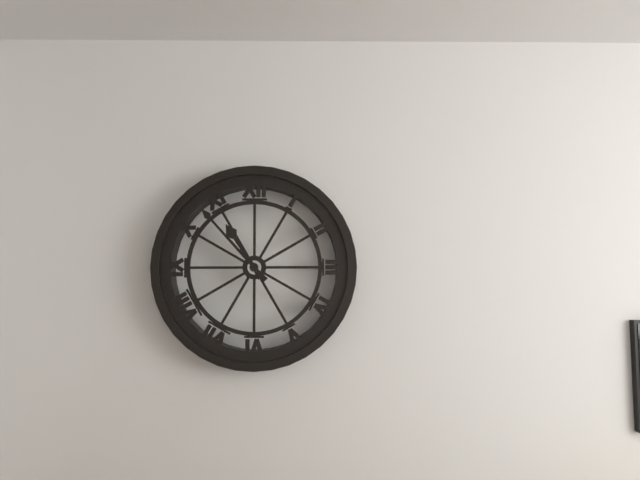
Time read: 10:53
